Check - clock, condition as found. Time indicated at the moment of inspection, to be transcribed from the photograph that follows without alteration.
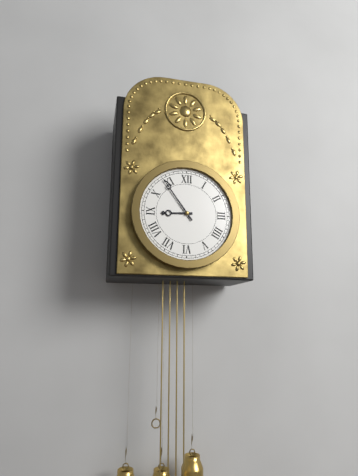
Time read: 8:54
